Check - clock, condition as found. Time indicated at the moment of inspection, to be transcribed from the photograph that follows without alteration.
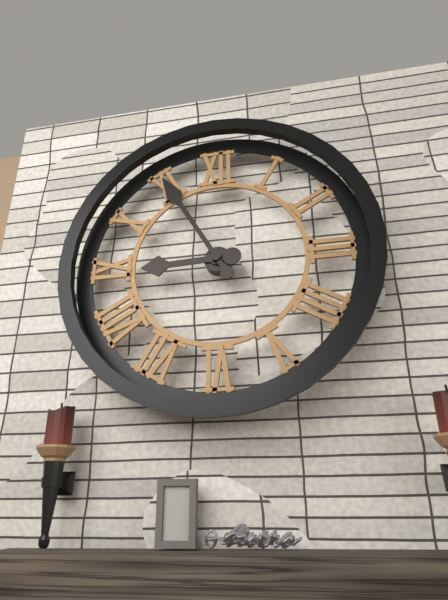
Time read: 8:55
